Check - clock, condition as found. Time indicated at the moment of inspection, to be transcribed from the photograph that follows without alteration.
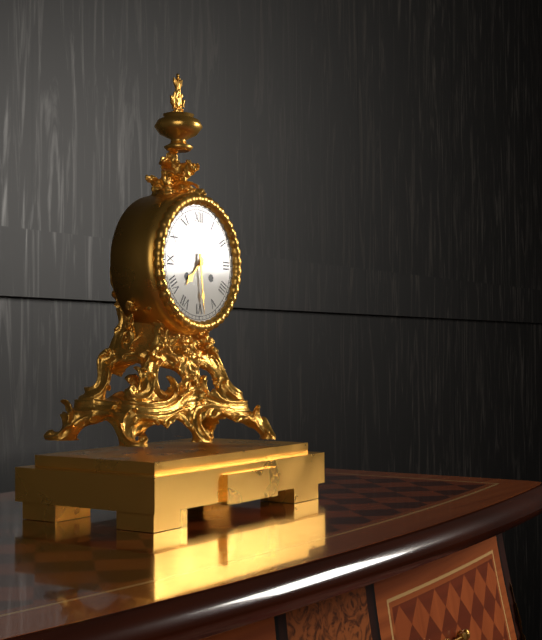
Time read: 7:29
